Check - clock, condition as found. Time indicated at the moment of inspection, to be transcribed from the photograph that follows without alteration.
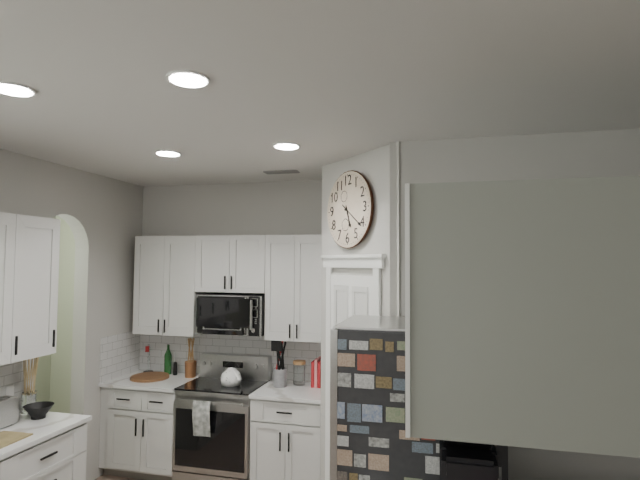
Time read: 5:21
